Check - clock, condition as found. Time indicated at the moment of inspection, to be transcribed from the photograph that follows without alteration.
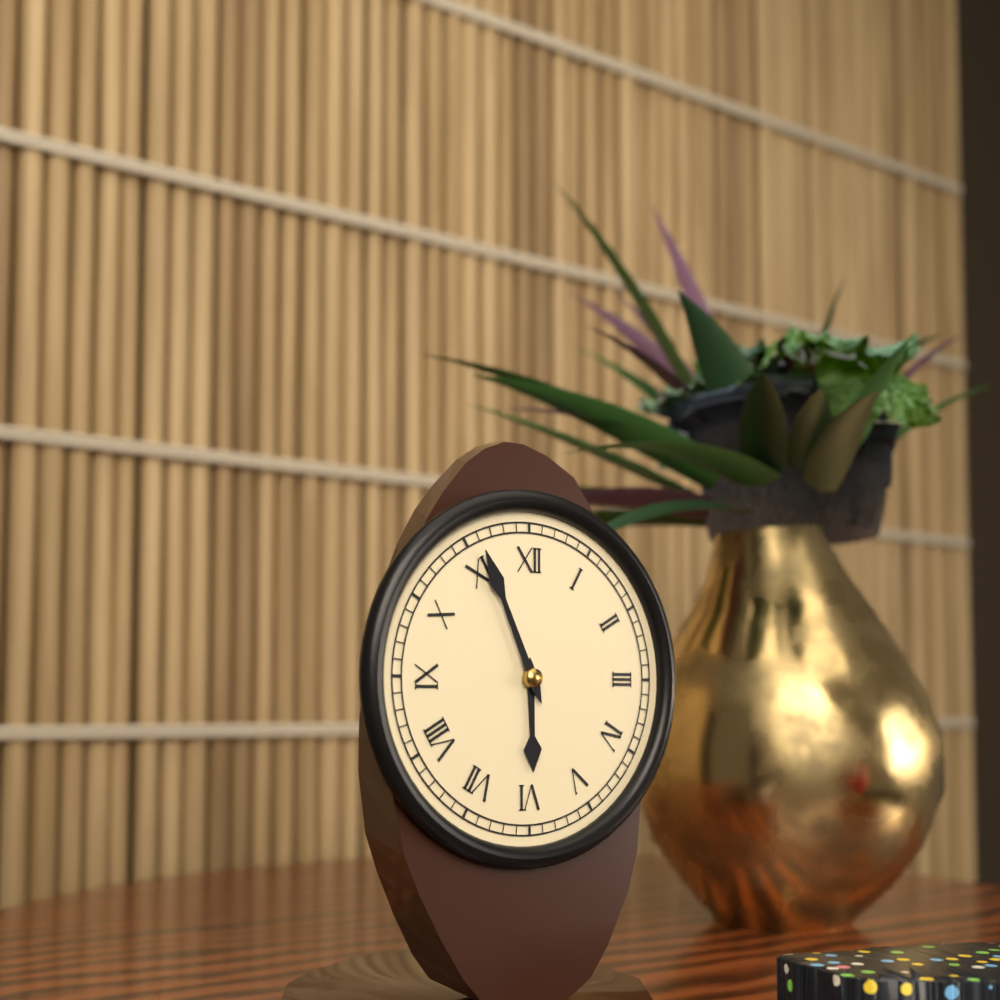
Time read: 5:56
